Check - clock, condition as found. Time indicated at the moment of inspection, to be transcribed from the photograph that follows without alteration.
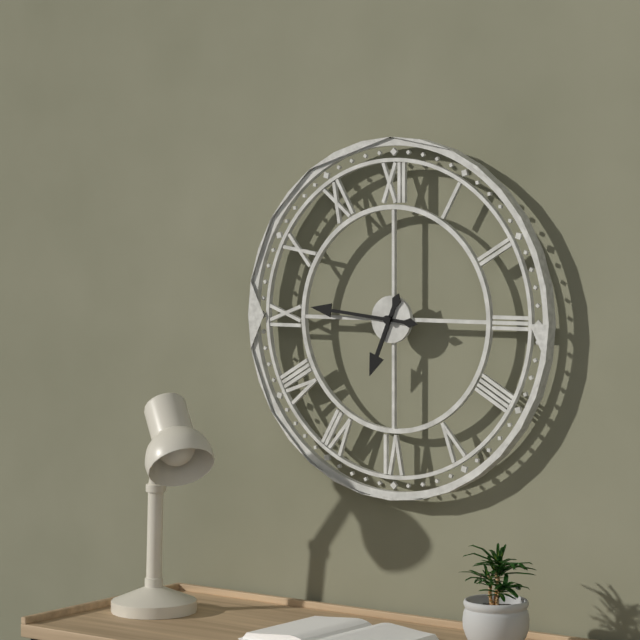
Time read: 6:46
